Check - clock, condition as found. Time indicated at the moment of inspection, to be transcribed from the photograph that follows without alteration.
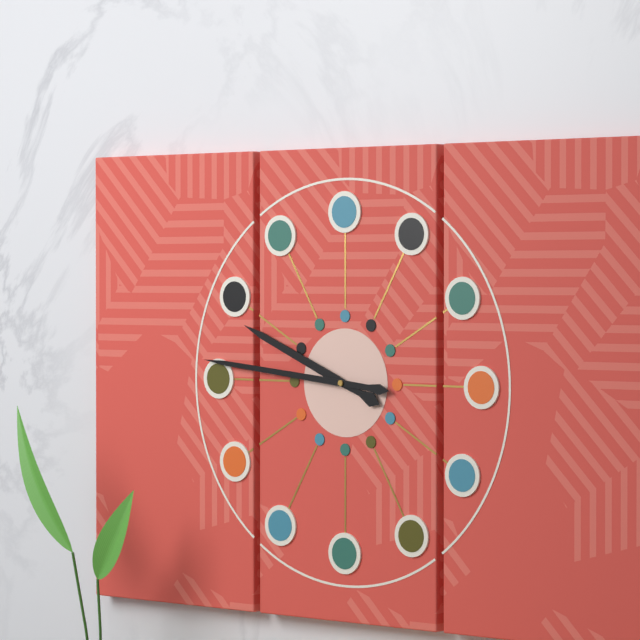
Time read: 9:46
